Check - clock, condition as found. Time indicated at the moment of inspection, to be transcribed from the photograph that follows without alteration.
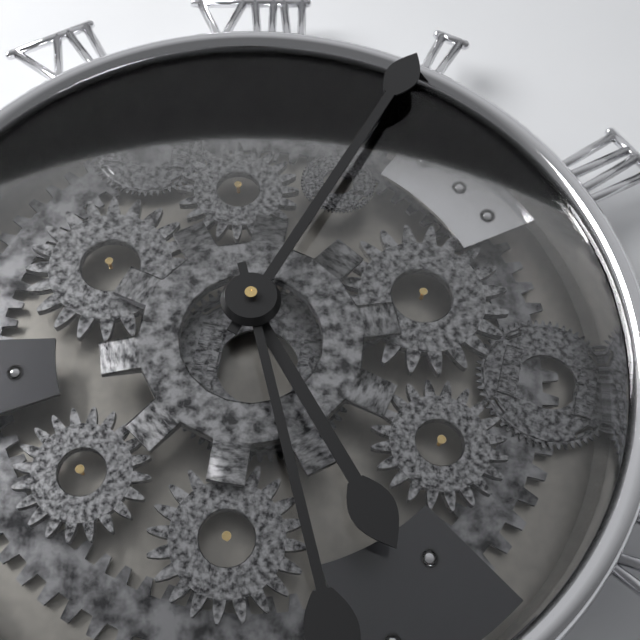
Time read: 5:05
